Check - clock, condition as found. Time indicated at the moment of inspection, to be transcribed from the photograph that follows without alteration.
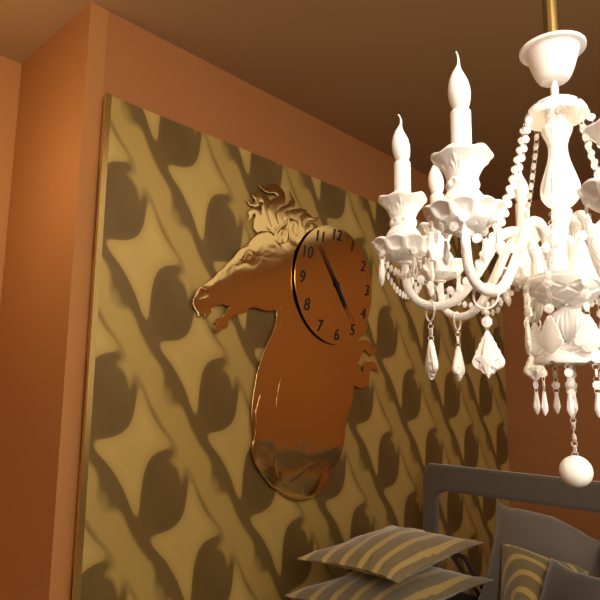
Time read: 4:54:24
